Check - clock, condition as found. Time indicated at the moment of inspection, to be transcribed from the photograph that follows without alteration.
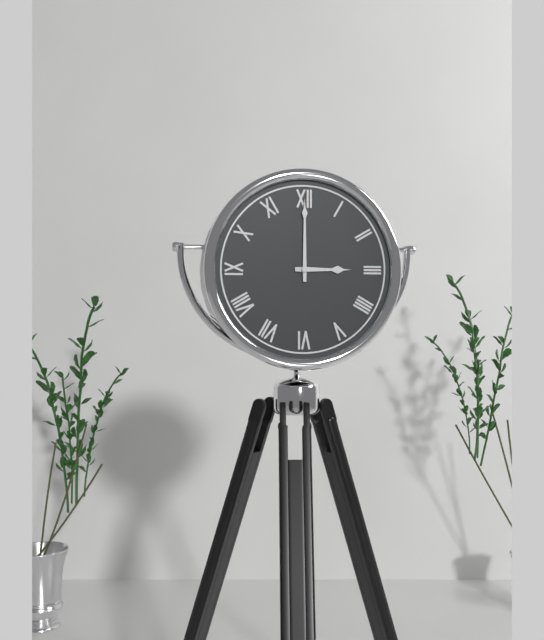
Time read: 3:00
